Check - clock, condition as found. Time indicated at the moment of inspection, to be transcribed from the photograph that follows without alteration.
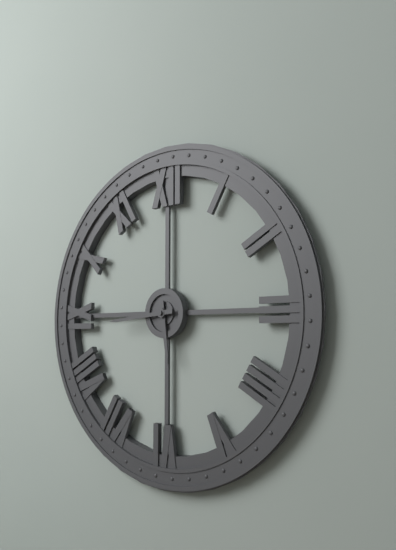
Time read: 5:44
